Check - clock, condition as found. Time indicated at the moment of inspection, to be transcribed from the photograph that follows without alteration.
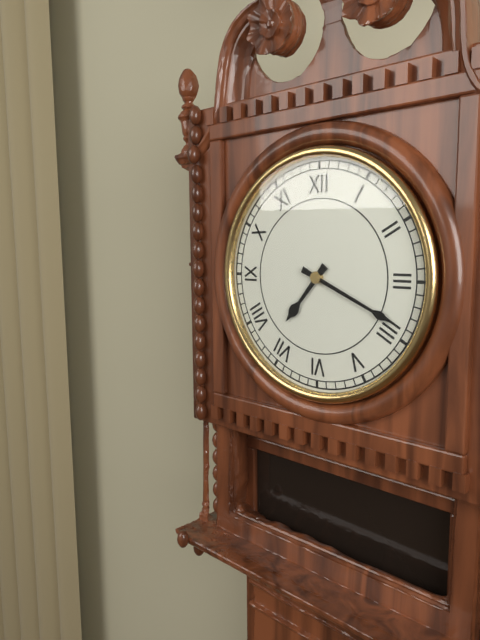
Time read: 7:19
